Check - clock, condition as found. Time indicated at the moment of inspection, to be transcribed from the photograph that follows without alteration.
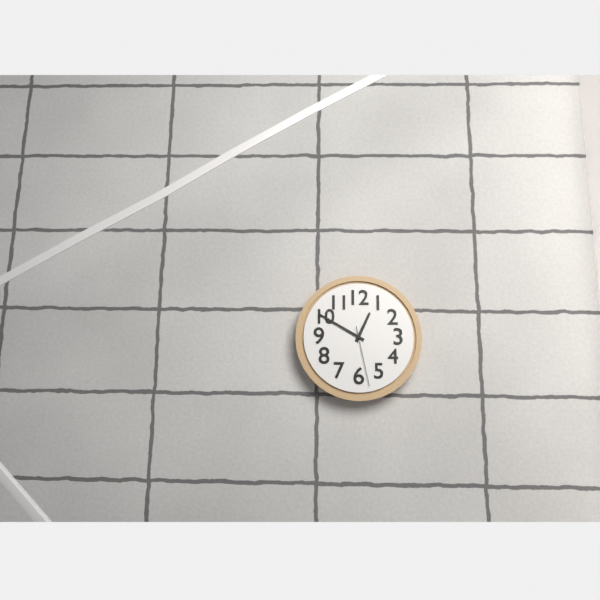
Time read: 12:50:28
